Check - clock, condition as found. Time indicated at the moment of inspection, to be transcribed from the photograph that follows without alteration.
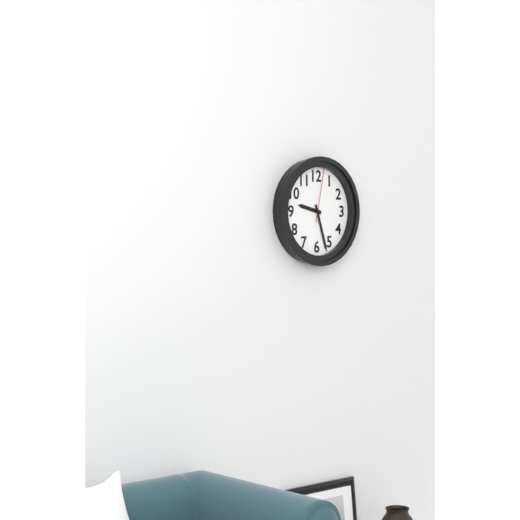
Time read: 9:27:02
